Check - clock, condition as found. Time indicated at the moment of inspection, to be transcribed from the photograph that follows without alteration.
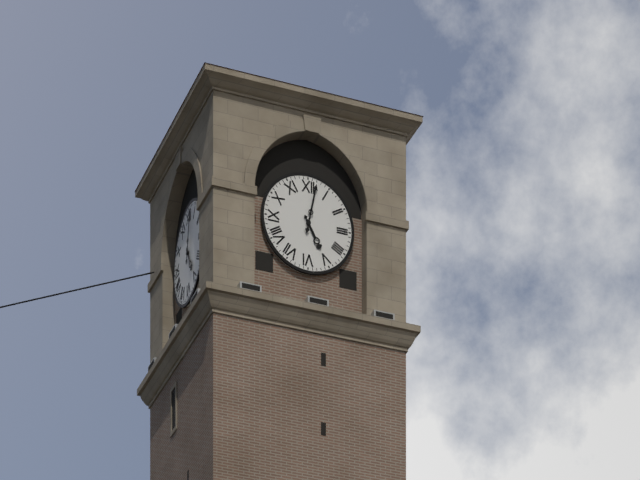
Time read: 5:02
